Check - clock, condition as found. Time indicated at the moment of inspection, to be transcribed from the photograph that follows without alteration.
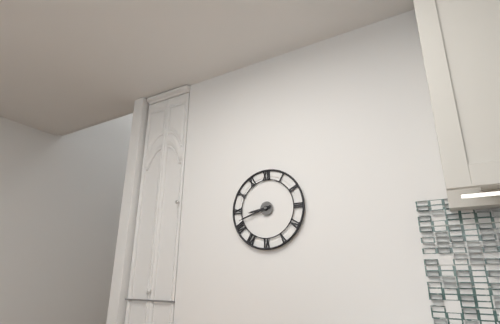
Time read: 8:42
